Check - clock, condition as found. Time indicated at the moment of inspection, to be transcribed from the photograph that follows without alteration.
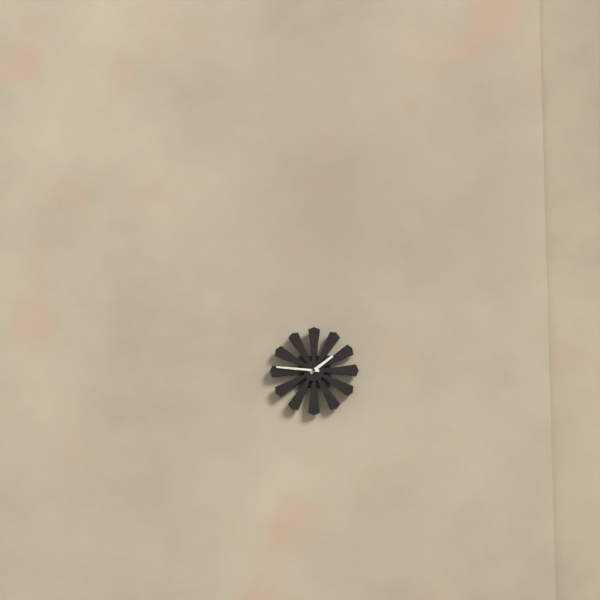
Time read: 1:46
